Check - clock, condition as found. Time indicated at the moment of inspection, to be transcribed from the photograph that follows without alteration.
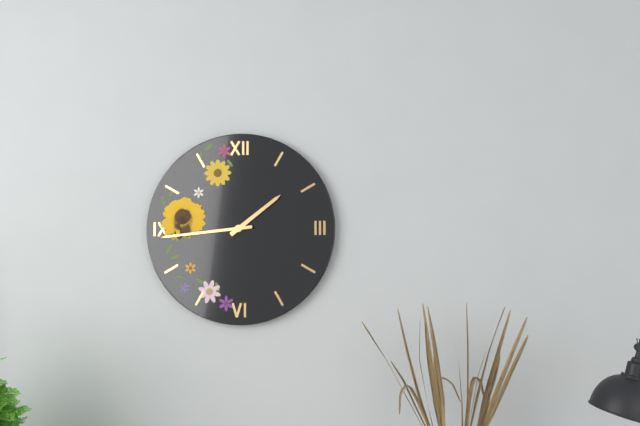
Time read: 1:44
